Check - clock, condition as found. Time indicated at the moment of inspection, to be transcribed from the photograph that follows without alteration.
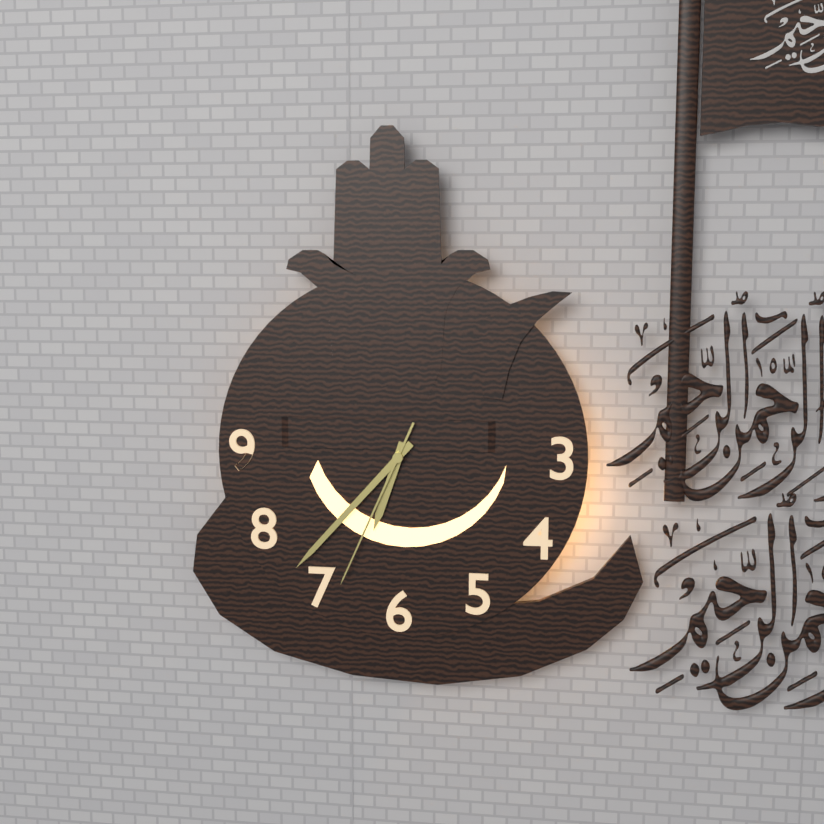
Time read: 6:37:34
